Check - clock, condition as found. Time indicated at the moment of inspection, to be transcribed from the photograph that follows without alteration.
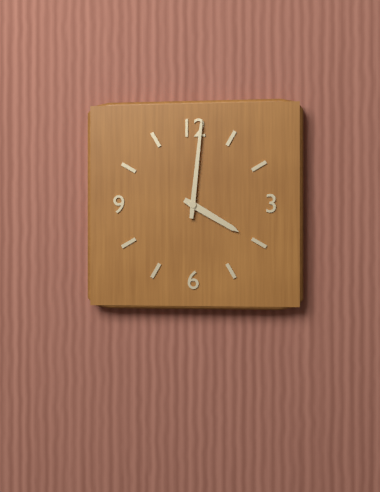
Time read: 4:01
